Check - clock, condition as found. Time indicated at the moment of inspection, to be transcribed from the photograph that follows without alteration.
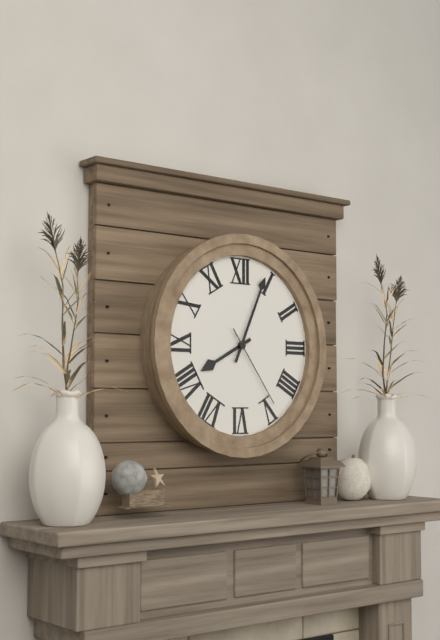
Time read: 8:04:24
